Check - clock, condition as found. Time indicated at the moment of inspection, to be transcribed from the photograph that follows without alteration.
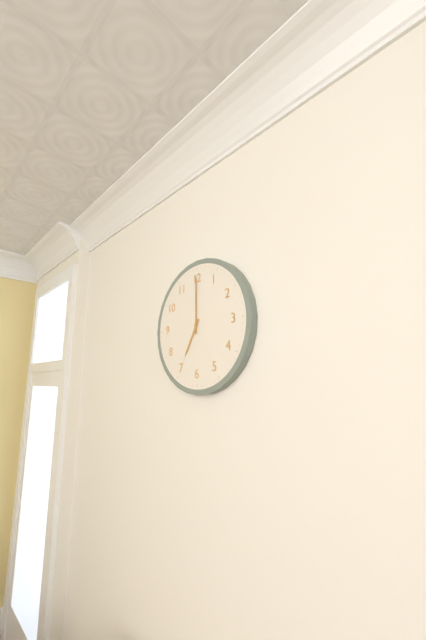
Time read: 7:00
